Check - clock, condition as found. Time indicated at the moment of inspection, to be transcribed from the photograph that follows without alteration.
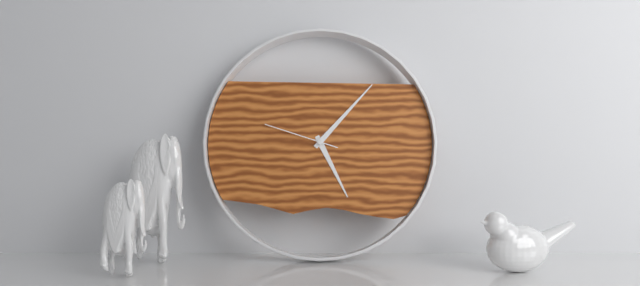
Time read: 5:07:48
